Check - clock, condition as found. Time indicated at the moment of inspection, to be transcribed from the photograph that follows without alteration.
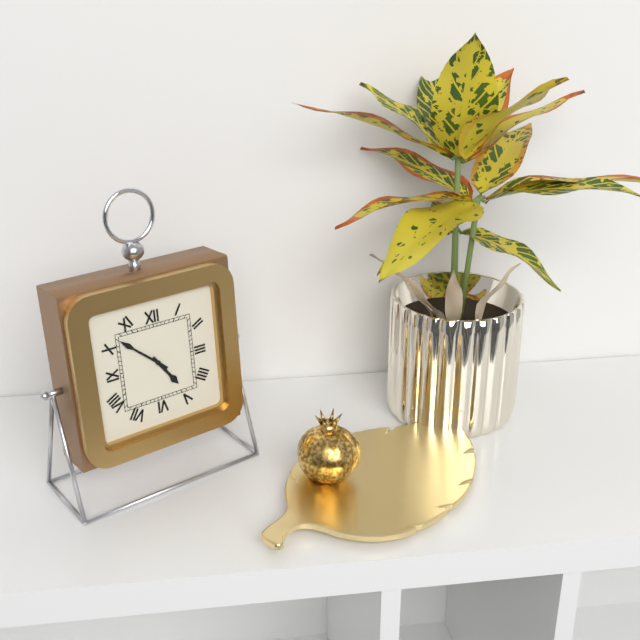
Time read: 4:52
